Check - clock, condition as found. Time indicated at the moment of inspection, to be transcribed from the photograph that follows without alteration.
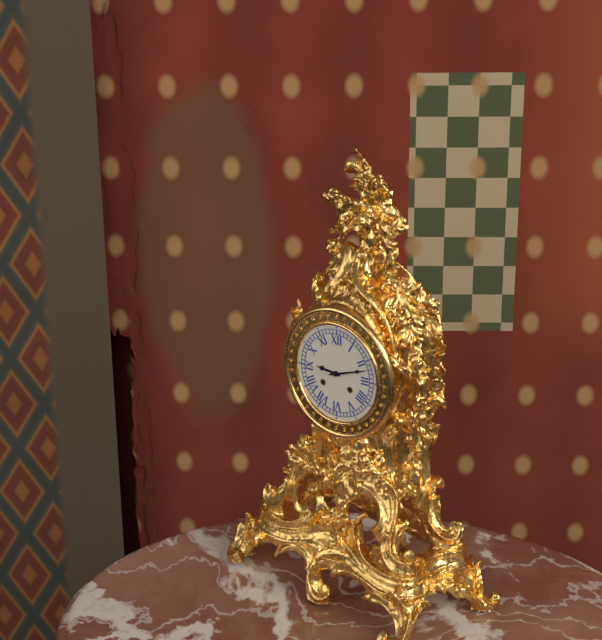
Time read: 9:12
